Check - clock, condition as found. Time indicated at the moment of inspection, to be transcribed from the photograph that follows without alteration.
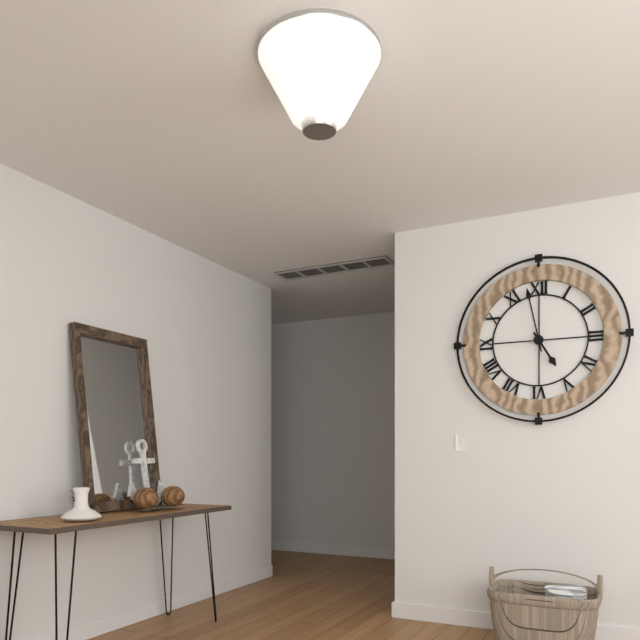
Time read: 4:58
